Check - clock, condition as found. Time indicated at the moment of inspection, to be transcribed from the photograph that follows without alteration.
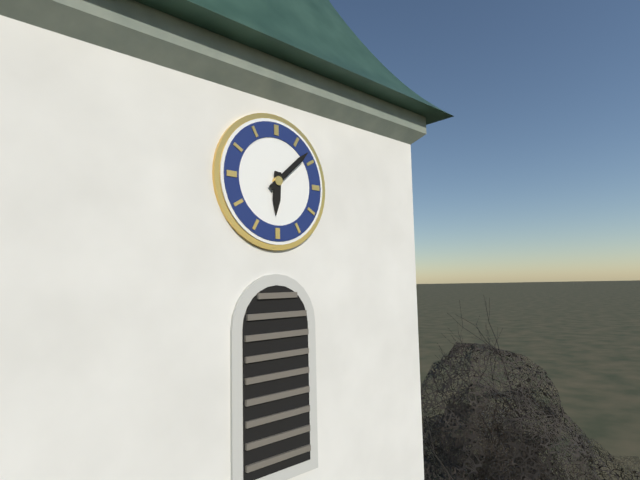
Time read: 6:08
